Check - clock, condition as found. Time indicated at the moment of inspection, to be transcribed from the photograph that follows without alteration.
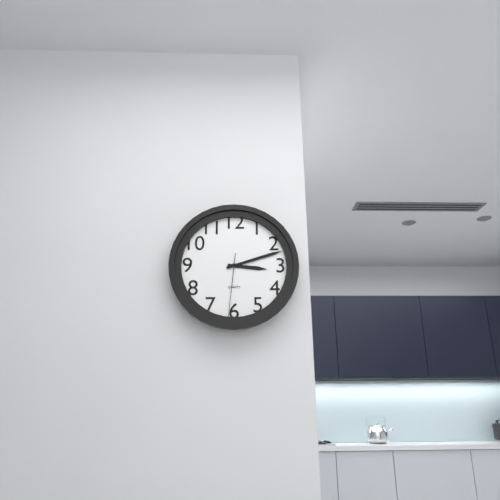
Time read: 3:12:31
